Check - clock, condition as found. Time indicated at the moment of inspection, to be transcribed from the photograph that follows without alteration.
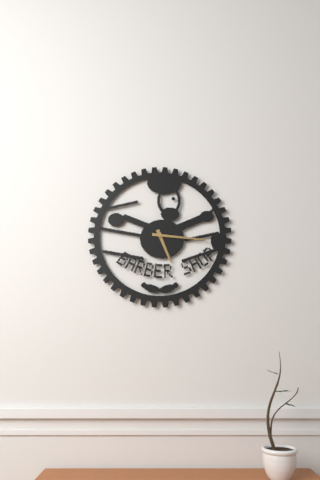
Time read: 5:16
